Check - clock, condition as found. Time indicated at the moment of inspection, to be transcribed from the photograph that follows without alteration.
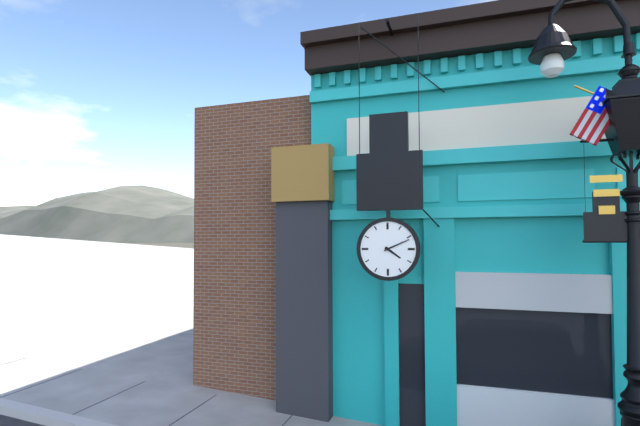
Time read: 4:11
